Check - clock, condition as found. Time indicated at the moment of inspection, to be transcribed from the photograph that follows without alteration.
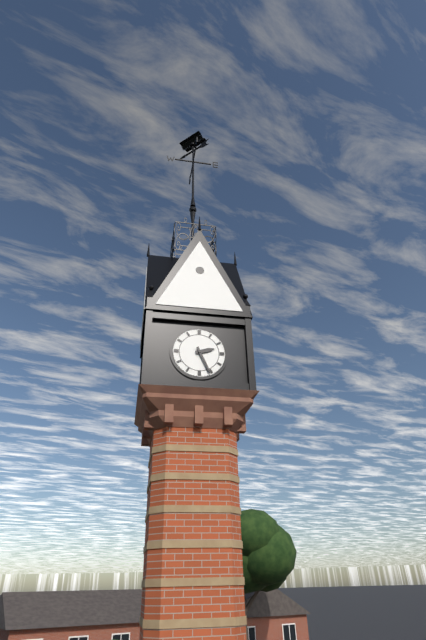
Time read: 2:26
